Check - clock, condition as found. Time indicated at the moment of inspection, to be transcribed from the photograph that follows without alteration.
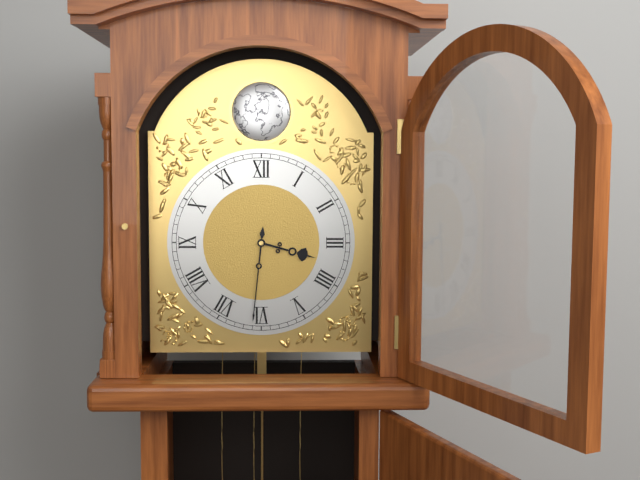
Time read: 3:31
